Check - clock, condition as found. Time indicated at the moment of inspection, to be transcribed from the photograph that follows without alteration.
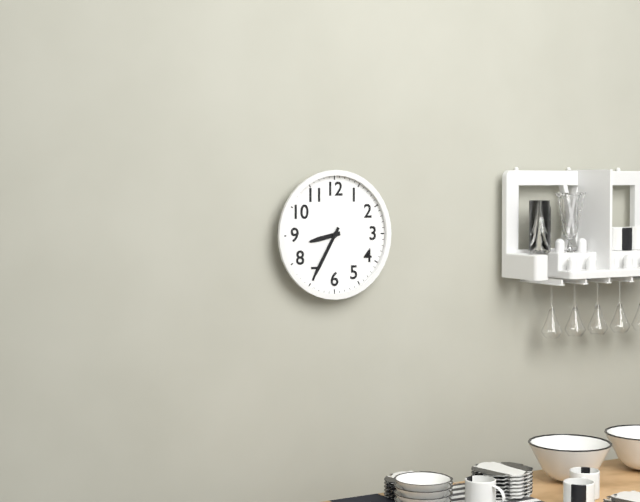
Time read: 8:35
